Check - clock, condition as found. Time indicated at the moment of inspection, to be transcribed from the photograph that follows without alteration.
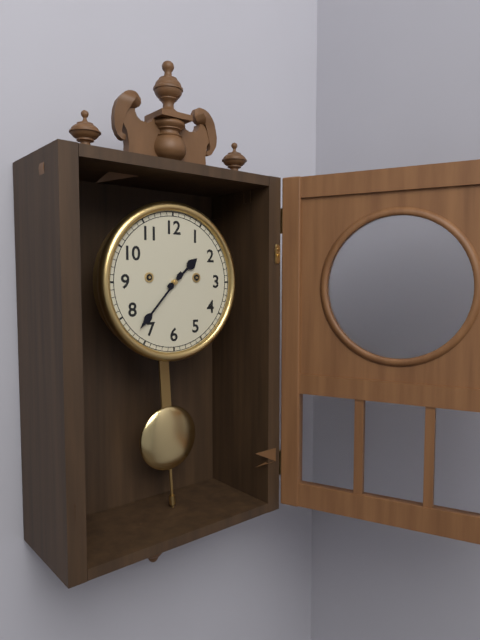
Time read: 1:37
